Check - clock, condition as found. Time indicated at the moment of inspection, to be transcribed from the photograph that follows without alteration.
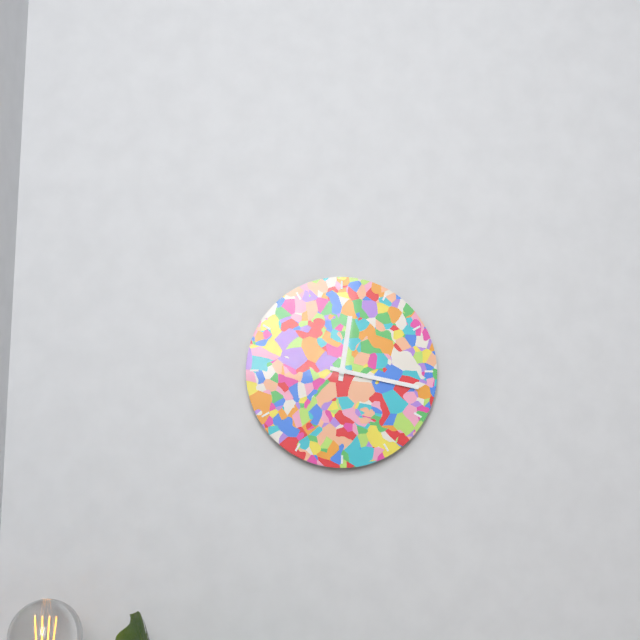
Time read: 12:17
